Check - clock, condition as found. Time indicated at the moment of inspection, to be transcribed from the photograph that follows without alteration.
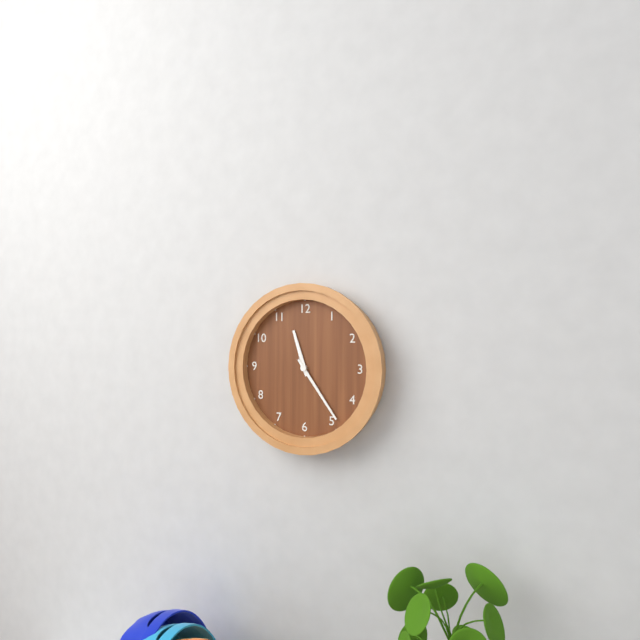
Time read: 11:24
